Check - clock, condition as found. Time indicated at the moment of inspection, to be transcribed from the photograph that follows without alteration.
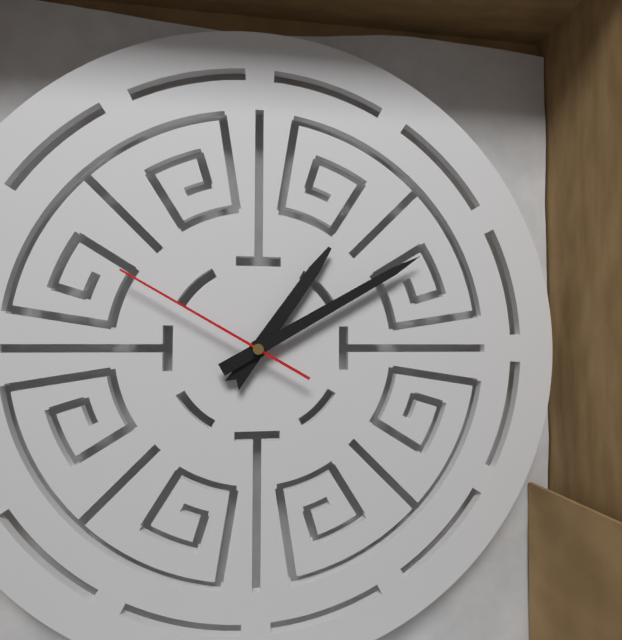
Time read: 1:10:50
